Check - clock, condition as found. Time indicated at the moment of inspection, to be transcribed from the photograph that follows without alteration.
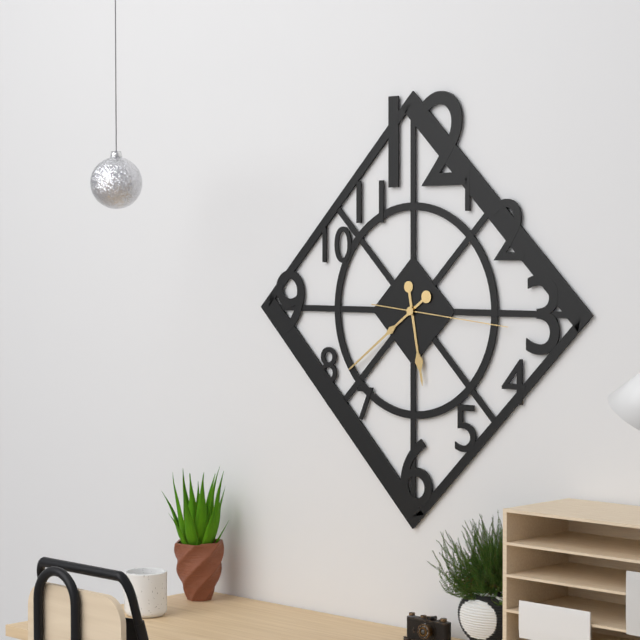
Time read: 5:39:16
